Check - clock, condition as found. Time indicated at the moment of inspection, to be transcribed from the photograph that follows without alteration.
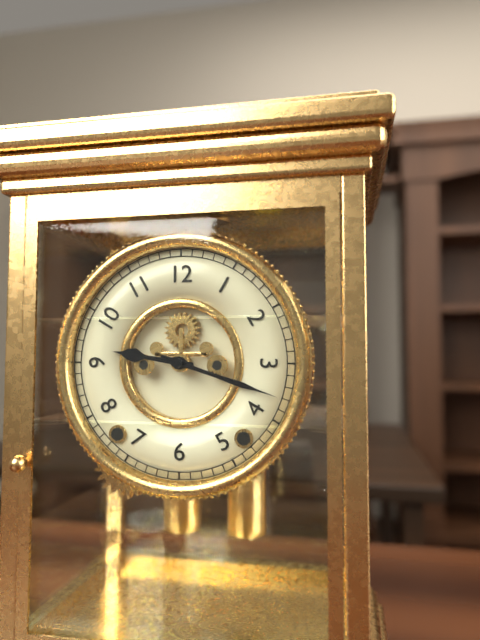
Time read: 9:18
